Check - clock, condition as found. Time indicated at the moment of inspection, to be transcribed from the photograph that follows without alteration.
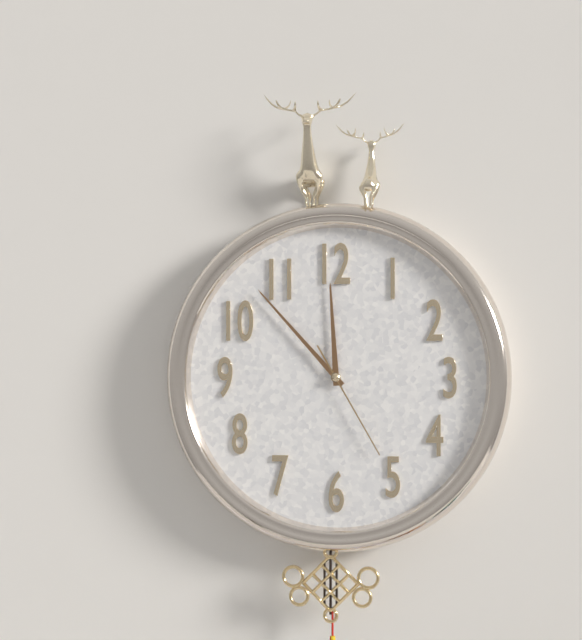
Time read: 11:53:25
